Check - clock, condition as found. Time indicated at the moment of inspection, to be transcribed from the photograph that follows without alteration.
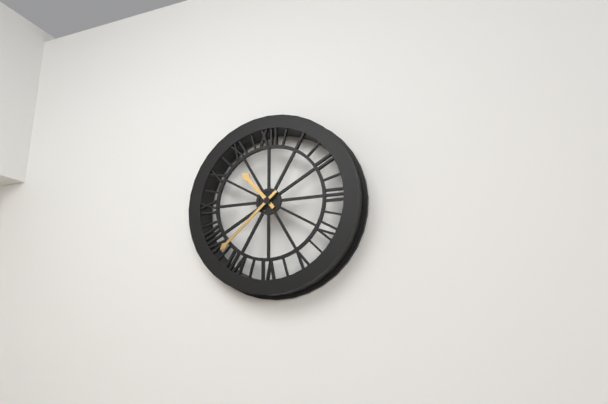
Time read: 10:38
